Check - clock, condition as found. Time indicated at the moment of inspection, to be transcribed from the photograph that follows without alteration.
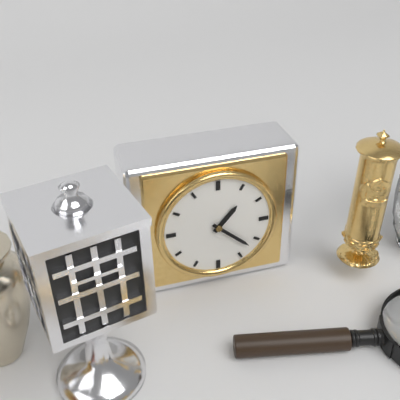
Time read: 1:22
